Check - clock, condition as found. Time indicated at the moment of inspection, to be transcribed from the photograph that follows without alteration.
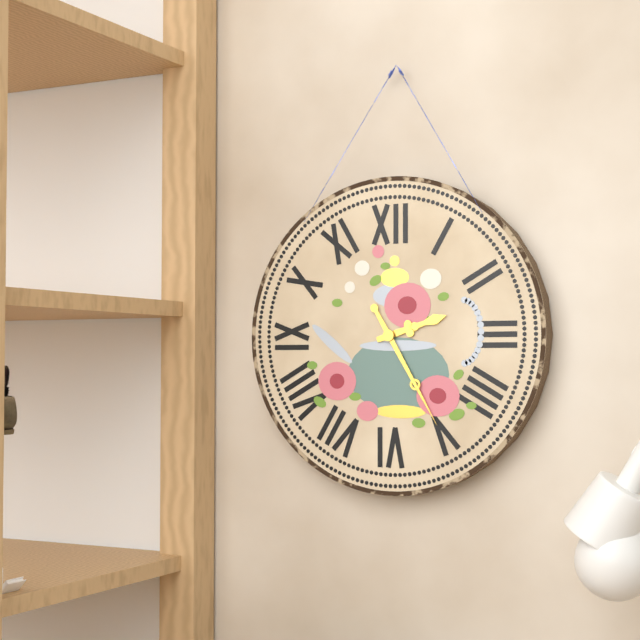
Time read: 2:25
